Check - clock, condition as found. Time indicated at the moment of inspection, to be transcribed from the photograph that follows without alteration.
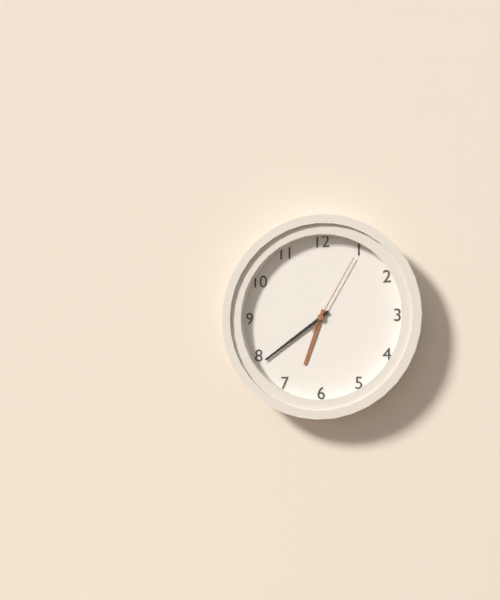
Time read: 6:39:05
